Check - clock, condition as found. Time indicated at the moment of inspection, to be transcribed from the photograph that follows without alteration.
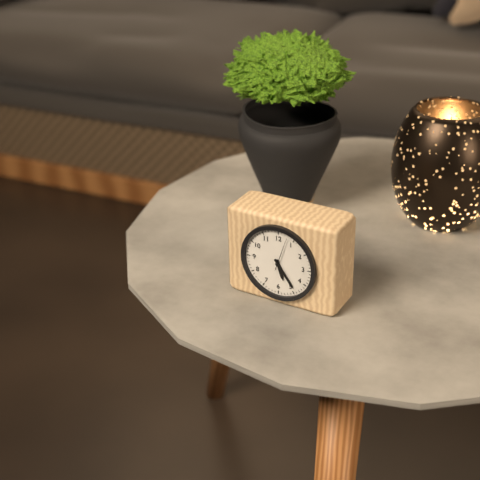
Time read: 5:24
